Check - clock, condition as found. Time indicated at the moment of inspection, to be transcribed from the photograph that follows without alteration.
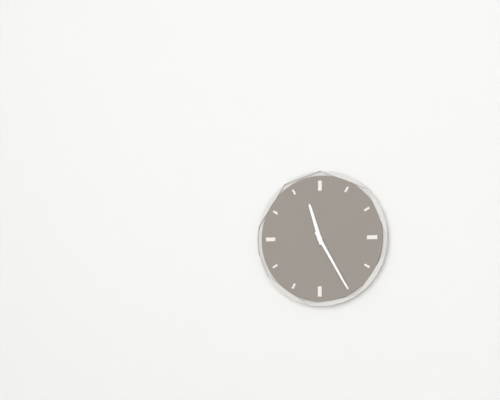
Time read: 11:25
